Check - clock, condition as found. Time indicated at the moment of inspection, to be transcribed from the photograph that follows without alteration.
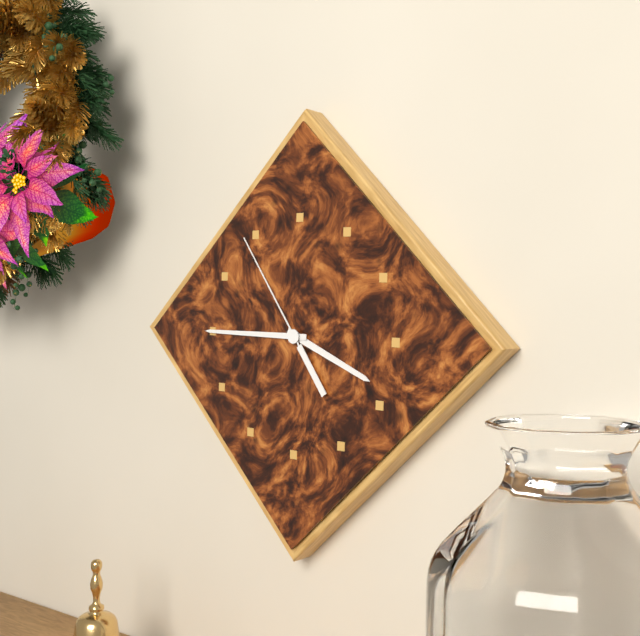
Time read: 3:45:54
